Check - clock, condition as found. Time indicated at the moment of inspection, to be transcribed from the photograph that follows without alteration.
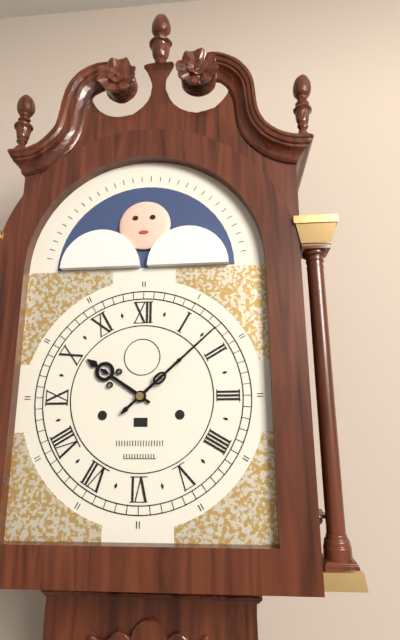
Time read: 10:08
